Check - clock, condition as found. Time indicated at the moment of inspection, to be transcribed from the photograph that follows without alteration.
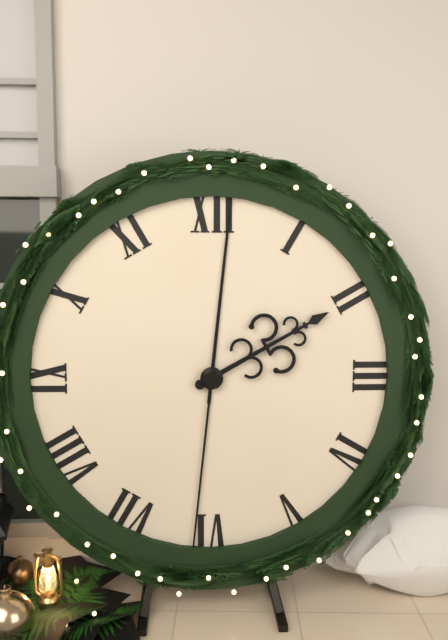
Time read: 2:01:31
